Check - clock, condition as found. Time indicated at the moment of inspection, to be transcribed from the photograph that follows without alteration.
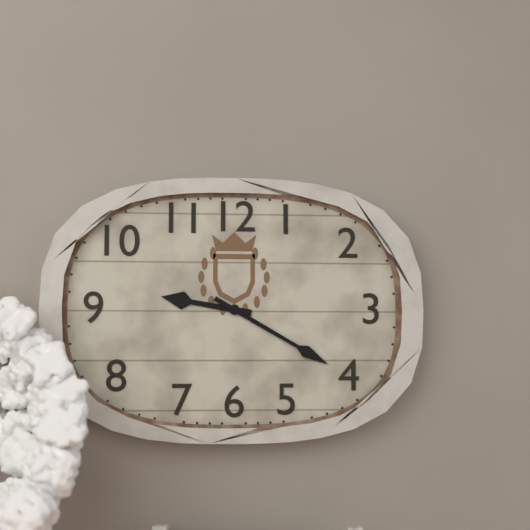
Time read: 9:20
